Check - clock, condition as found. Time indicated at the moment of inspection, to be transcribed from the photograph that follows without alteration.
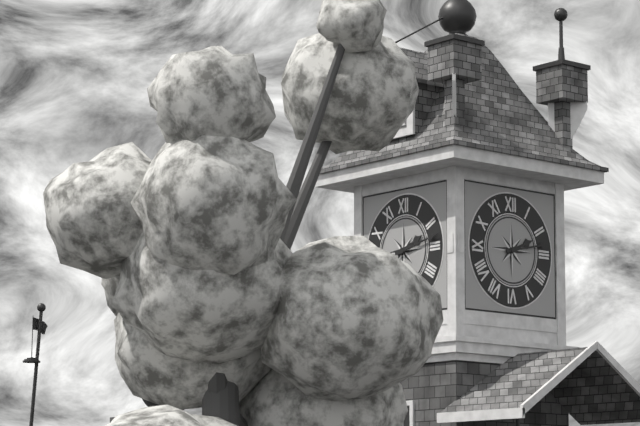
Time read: 2:13
